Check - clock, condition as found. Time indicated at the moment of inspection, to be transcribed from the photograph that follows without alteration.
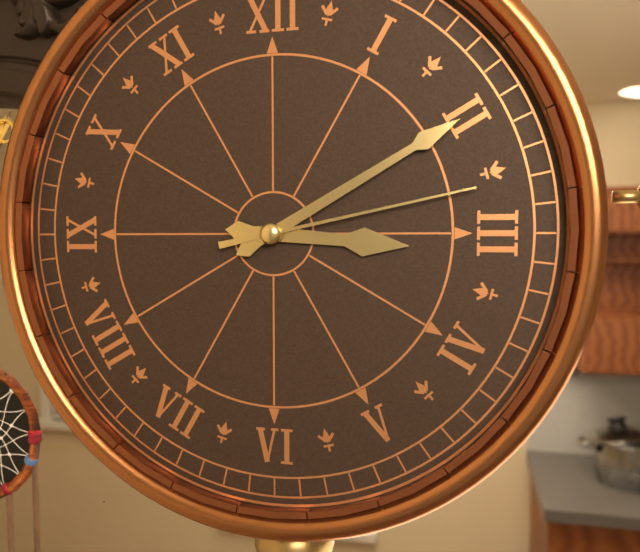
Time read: 3:10:13
